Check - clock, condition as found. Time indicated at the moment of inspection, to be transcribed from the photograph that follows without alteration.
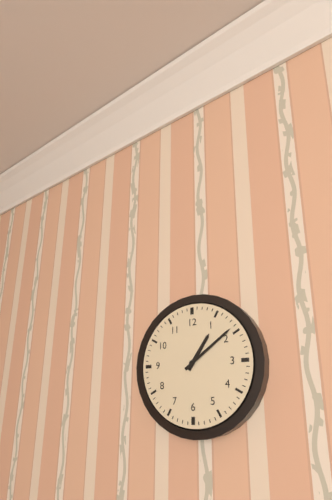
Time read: 1:09
